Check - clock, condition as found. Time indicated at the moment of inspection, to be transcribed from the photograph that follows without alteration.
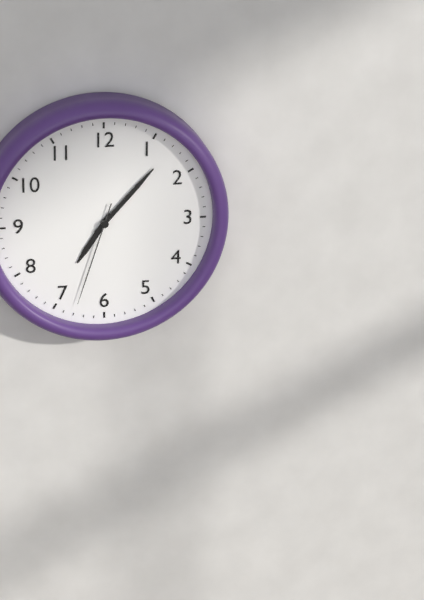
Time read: 7:07:33
